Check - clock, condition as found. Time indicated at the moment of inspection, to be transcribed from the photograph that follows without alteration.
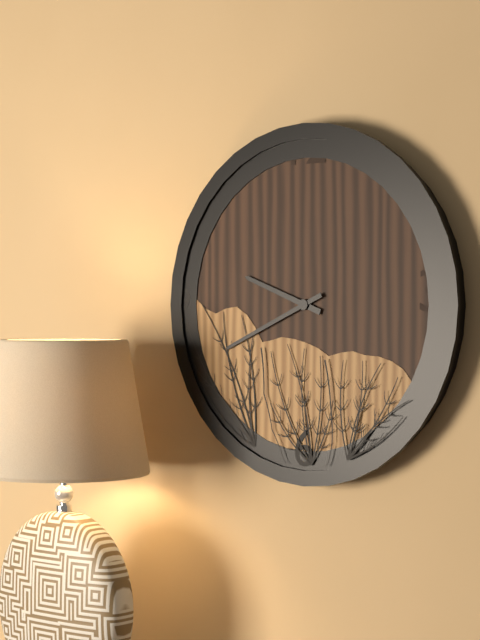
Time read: 9:41
